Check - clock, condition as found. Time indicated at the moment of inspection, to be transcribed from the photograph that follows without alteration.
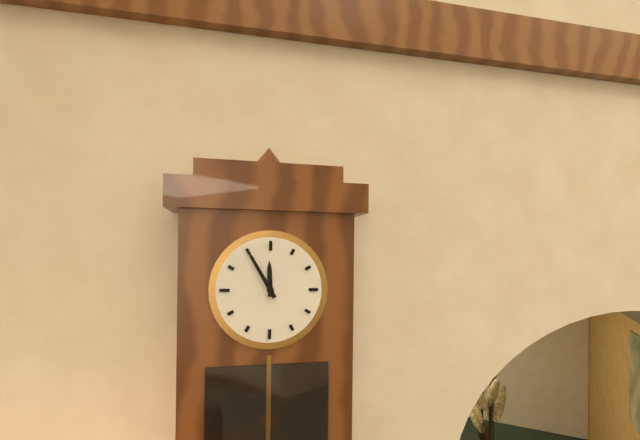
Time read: 11:55
